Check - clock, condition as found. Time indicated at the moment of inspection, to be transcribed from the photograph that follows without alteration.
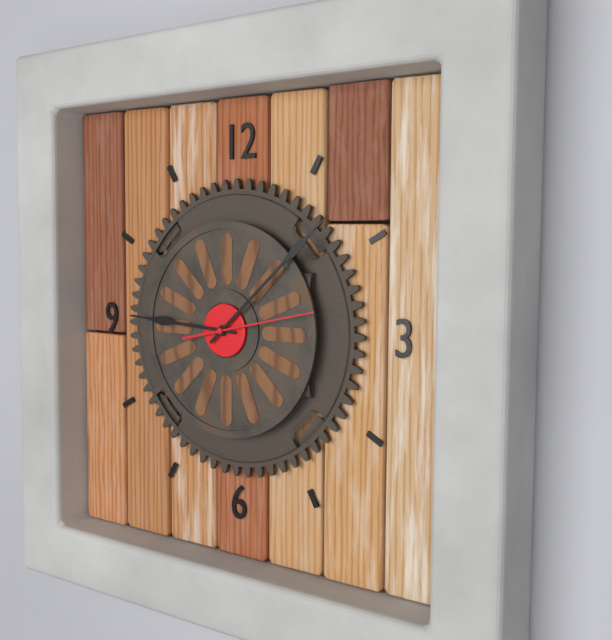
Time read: 9:08:13
